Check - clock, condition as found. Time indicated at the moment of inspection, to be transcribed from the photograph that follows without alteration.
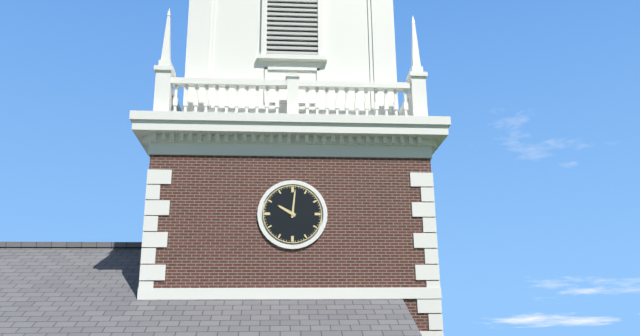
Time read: 10:01
